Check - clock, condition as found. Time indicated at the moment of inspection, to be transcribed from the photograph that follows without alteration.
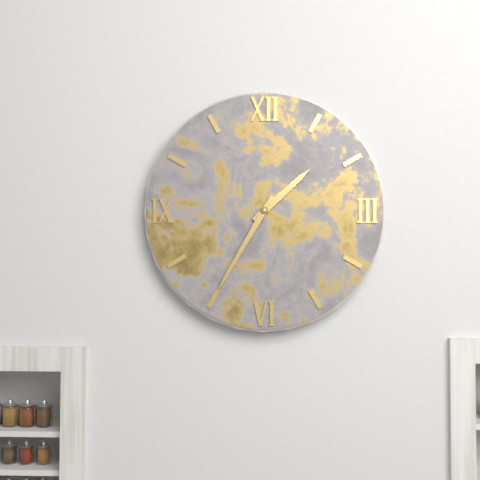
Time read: 1:35
